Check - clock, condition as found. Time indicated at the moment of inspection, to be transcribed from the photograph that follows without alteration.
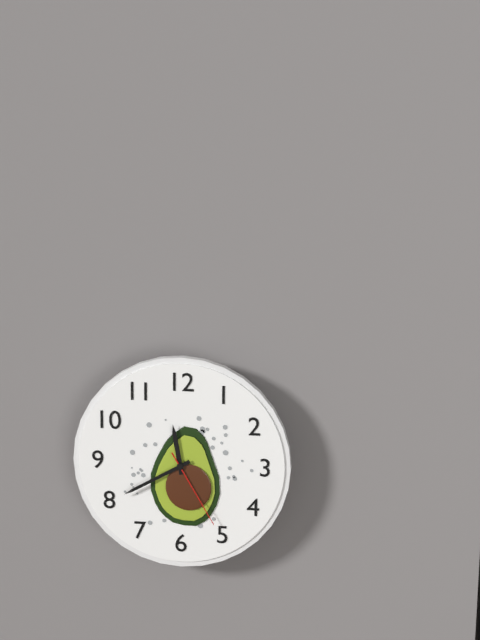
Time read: 11:40:25
